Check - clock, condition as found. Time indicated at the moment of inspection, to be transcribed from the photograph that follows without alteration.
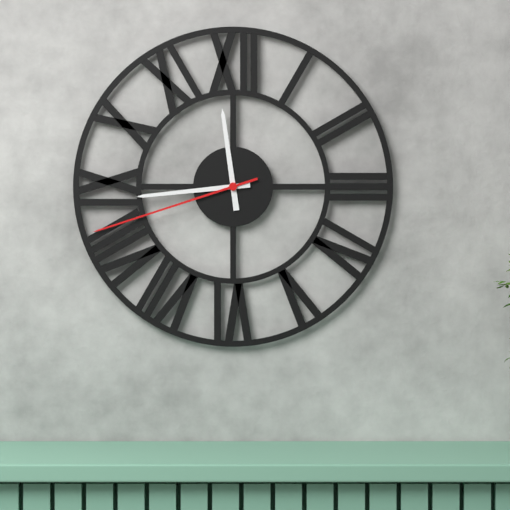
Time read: 11:44:42
